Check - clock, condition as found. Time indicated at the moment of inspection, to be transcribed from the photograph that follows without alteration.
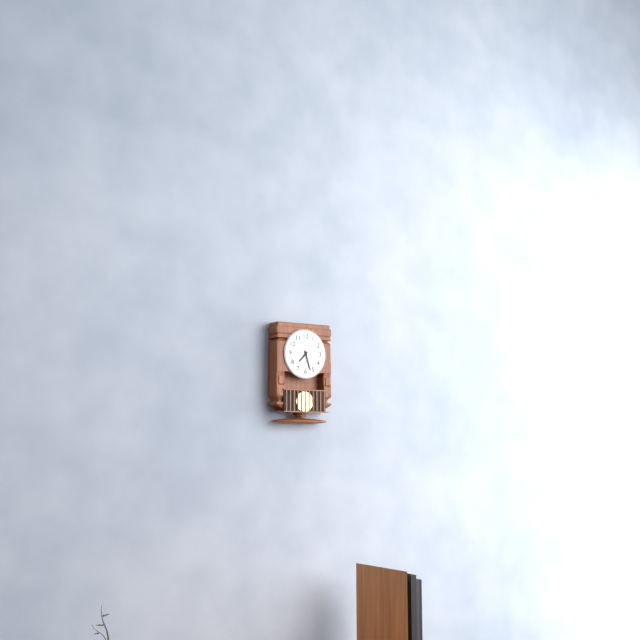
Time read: 7:27
